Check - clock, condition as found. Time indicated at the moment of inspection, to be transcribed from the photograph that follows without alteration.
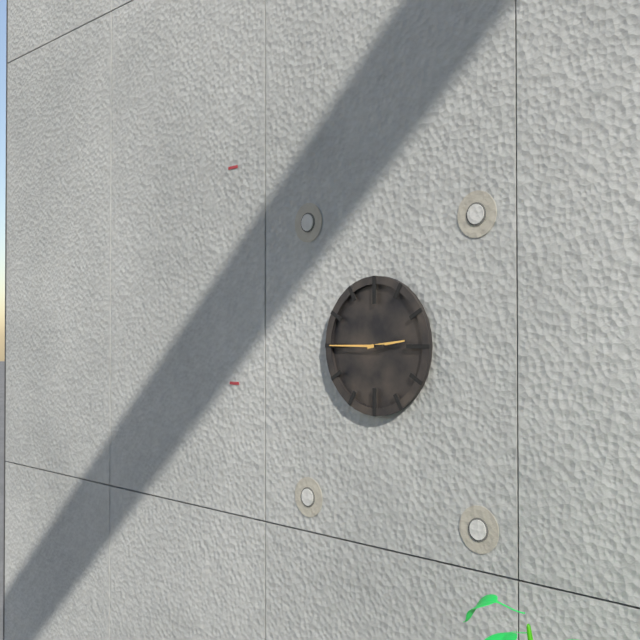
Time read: 2:45
